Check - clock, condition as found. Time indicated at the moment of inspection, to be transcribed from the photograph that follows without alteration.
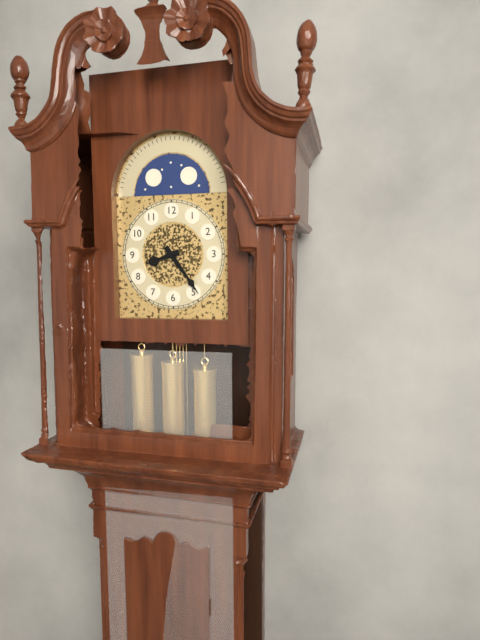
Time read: 8:24
